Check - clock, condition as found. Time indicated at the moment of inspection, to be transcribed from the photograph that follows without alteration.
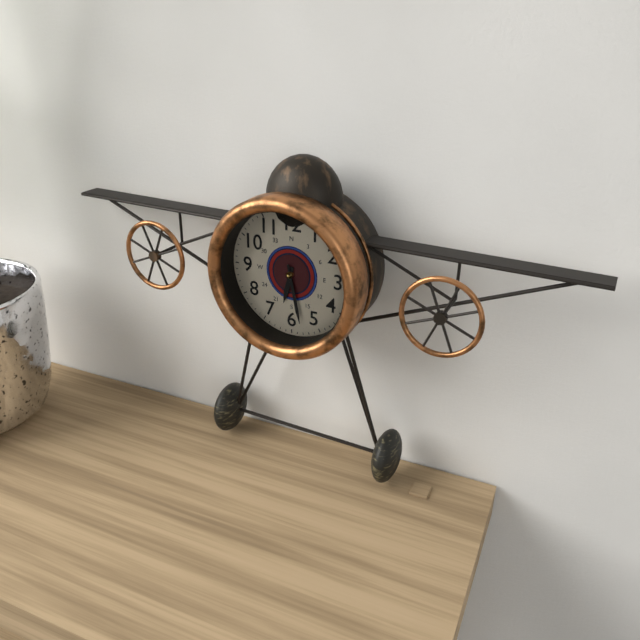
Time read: 6:28
